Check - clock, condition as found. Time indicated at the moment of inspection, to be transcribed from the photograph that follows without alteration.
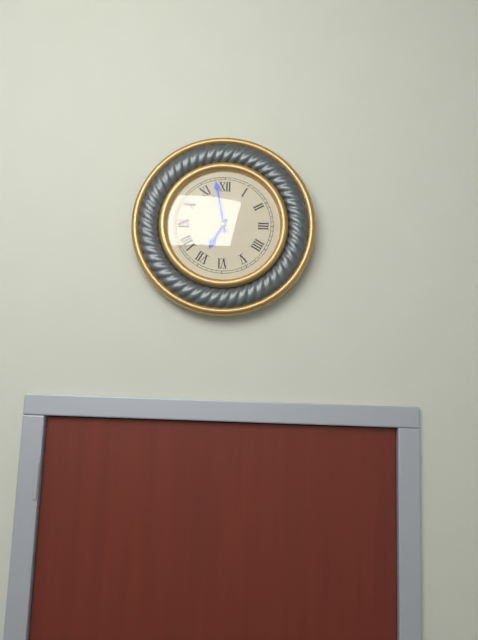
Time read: 6:58
